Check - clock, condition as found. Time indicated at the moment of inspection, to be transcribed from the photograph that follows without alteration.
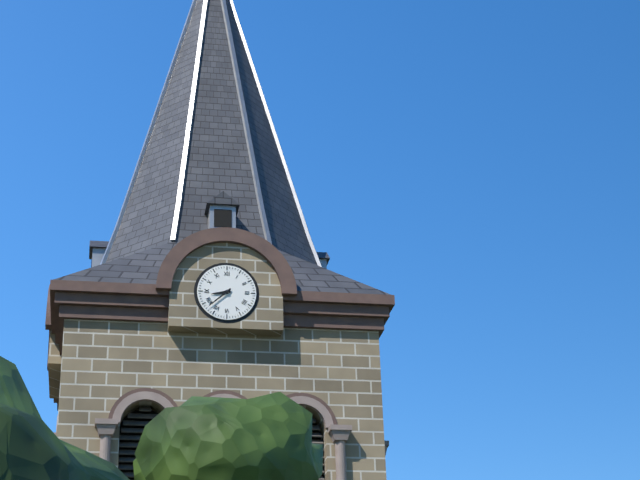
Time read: 8:38
